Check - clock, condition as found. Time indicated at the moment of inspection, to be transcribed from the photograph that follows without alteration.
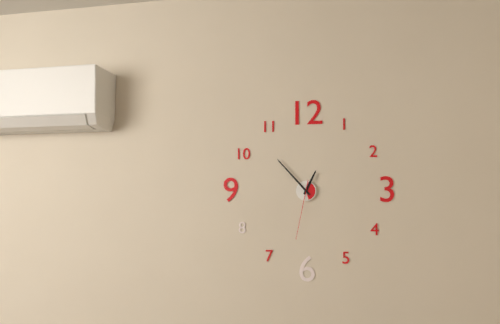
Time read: 12:53:32
